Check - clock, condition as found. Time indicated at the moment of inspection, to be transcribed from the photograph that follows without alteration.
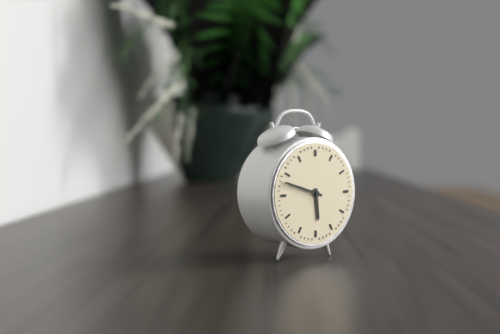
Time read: 5:48
